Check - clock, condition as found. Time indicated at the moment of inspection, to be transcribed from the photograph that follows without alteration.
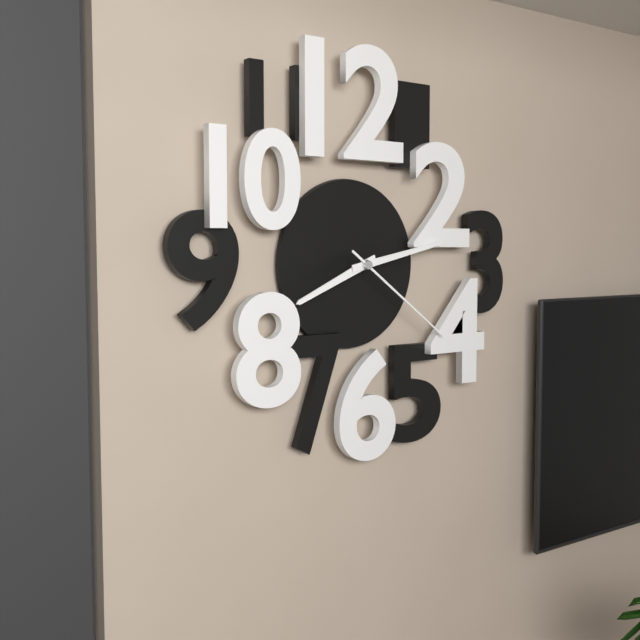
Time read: 8:13:21
